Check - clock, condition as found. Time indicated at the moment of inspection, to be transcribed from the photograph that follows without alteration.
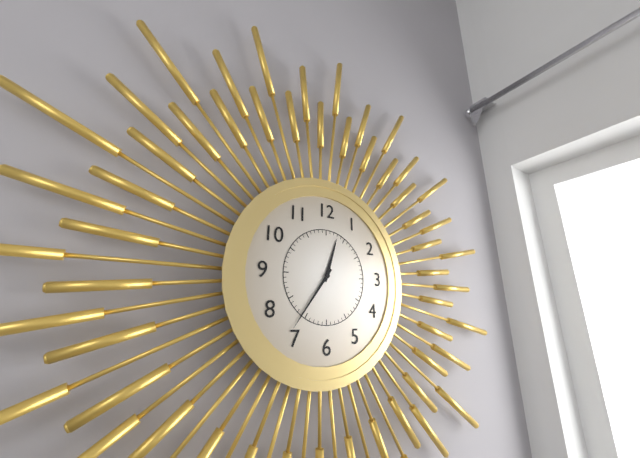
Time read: 12:36
